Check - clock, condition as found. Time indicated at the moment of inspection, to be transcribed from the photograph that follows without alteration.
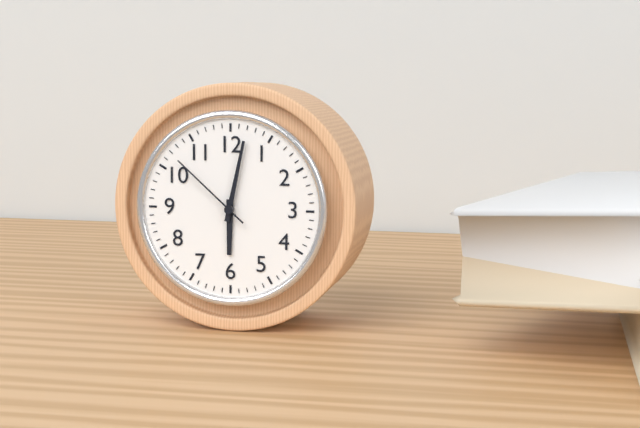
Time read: 6:02:52
